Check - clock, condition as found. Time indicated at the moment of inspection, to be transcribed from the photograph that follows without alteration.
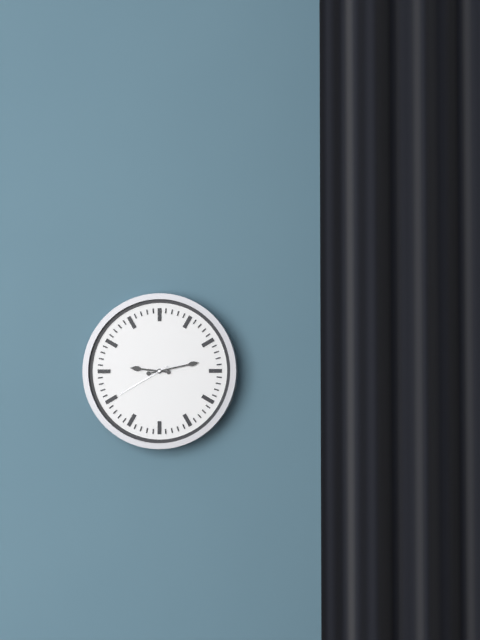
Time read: 9:13:40
